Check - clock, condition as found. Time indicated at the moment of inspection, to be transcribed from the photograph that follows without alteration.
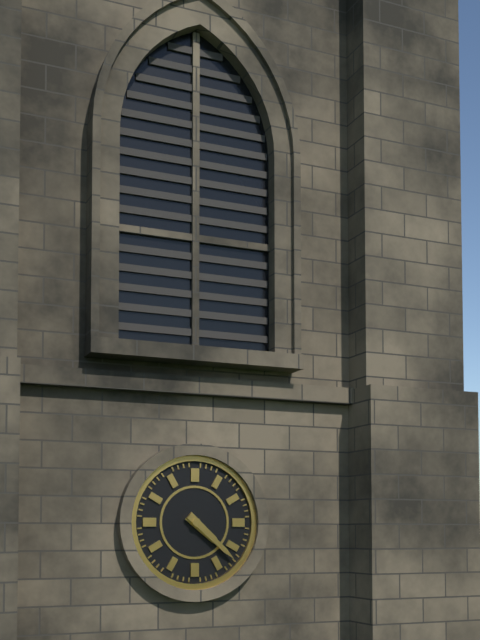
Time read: 4:22
